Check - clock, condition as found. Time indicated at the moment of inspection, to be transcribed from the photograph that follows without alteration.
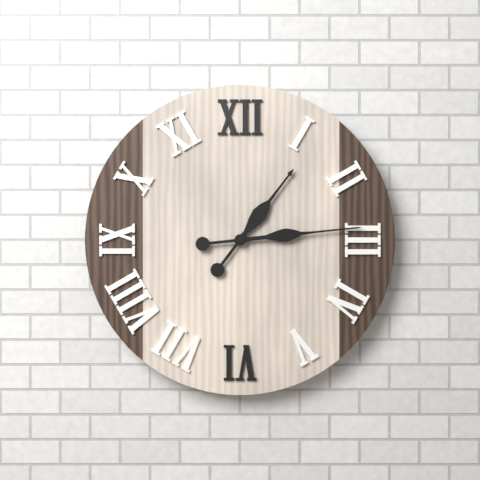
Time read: 1:14
